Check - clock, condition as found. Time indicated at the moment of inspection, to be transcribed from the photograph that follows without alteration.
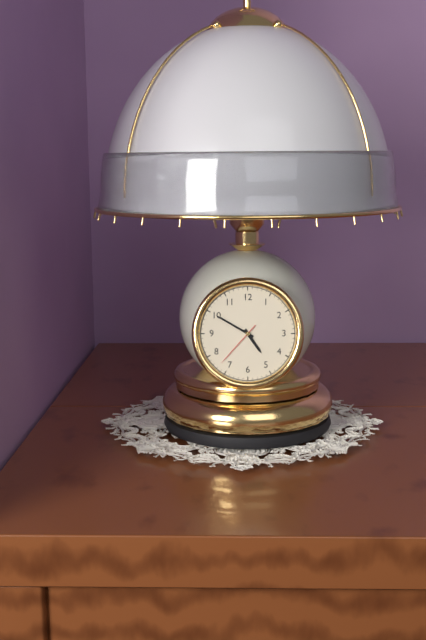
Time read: 4:50:37
